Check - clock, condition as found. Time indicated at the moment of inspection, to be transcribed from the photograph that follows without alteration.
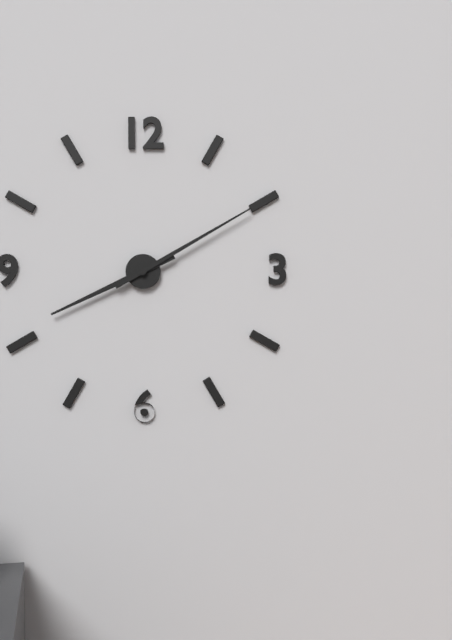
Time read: 8:10
